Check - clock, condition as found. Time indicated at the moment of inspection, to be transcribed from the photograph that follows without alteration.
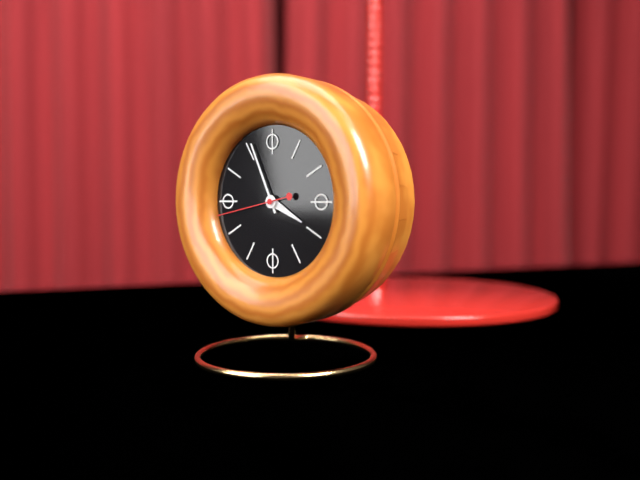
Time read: 3:56:43
